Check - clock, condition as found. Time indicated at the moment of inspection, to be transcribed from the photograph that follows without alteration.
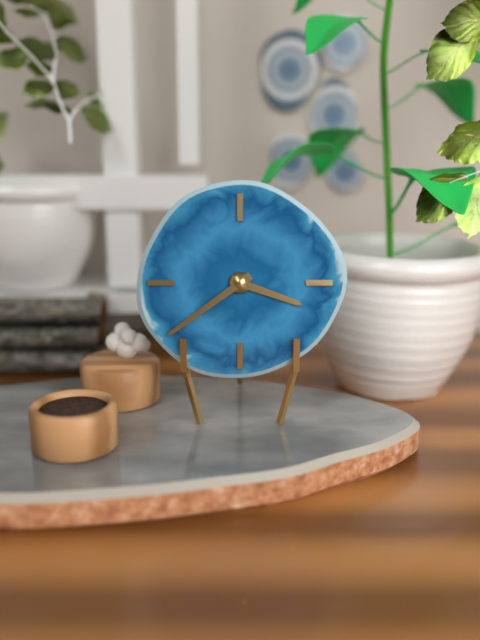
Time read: 3:39
